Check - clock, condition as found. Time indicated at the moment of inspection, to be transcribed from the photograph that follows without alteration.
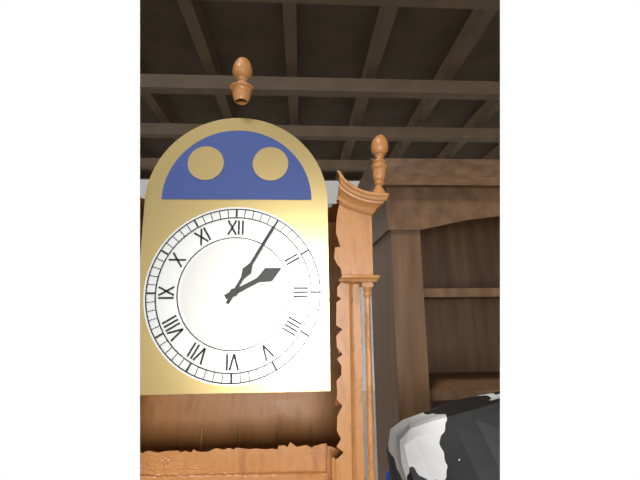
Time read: 2:05
